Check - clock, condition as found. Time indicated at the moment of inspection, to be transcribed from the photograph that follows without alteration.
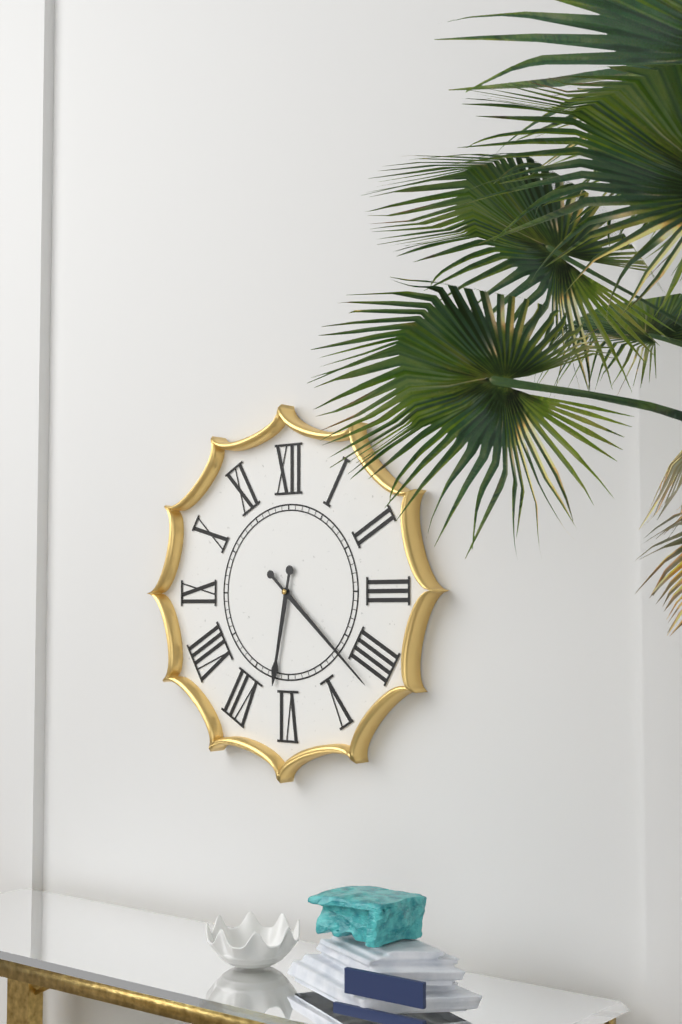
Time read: 6:22
